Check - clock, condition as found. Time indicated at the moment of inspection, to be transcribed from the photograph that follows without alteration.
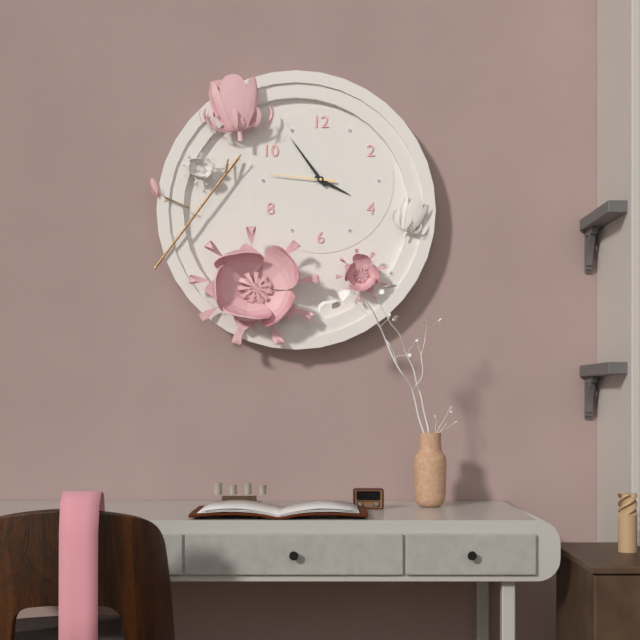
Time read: 3:54:46
